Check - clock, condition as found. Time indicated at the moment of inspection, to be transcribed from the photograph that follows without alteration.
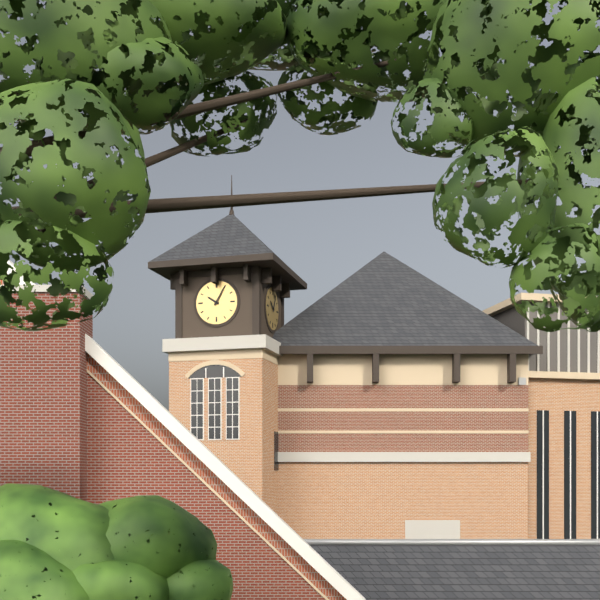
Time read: 10:05
